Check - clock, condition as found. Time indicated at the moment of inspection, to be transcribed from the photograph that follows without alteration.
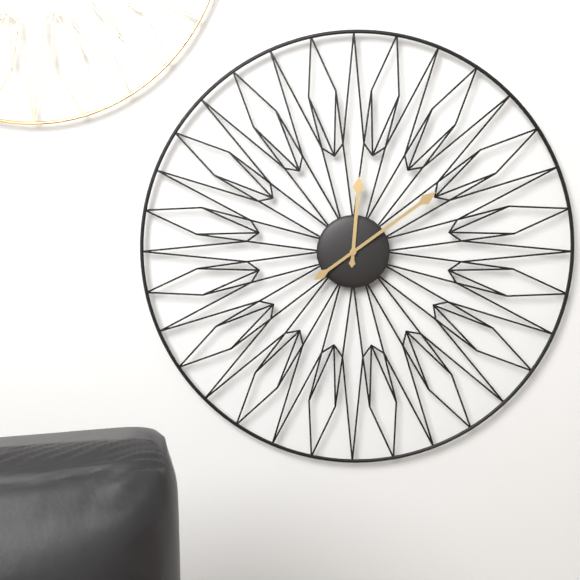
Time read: 12:09
